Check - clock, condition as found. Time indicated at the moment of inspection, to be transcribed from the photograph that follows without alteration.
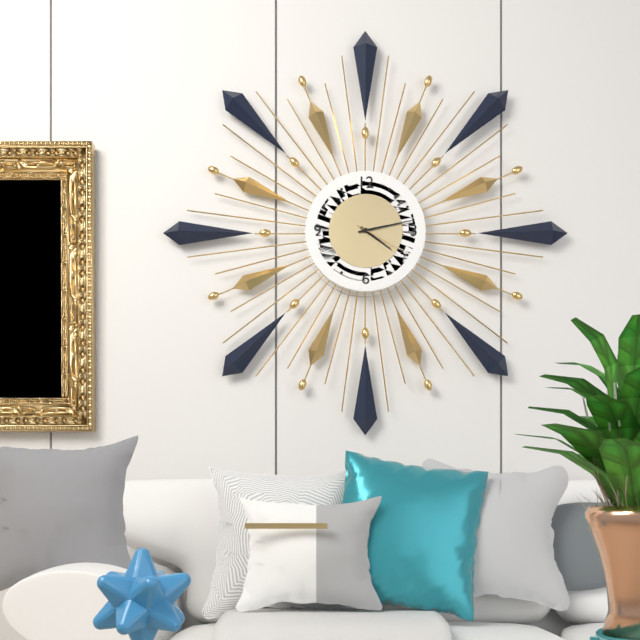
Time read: 4:13:20
